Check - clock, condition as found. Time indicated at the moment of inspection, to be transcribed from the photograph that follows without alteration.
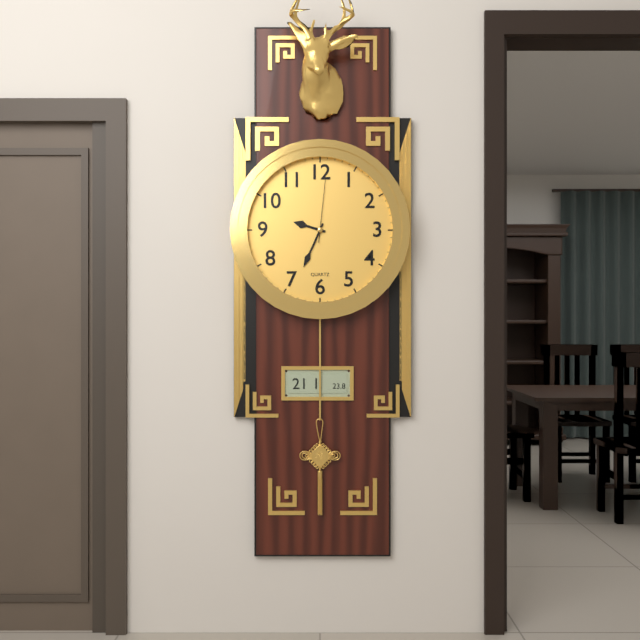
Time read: 9:34:01
